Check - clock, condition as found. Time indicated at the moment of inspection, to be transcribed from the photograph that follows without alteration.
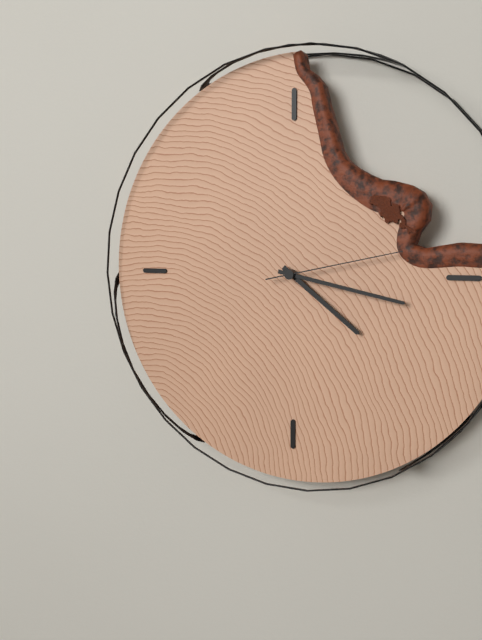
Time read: 4:17:13
